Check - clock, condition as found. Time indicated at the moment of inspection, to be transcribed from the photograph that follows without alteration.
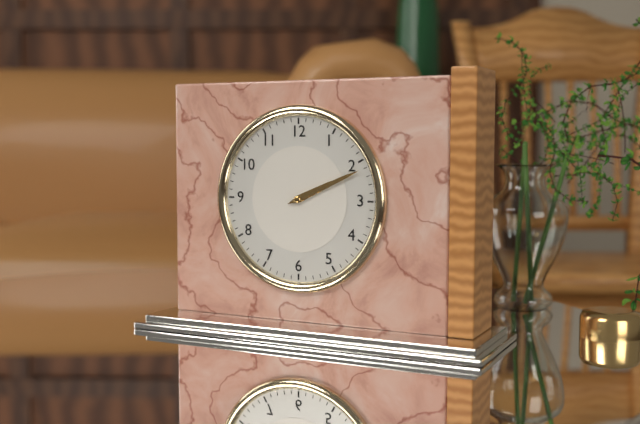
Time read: 2:11
